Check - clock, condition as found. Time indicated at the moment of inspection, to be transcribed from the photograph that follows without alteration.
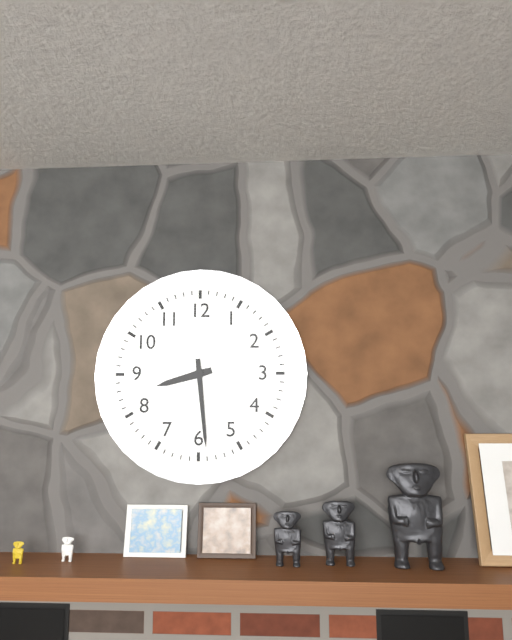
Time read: 8:29
